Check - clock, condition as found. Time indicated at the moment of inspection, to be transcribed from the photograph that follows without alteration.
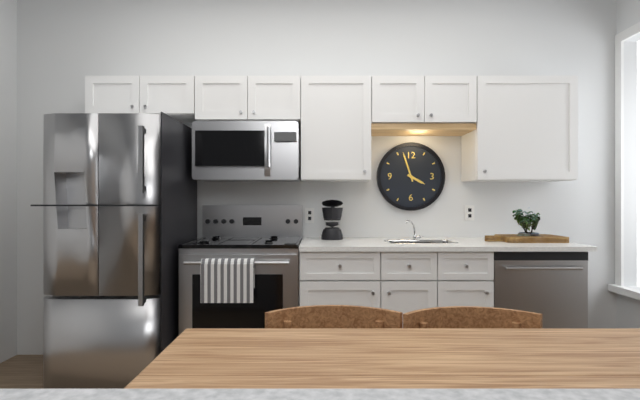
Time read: 3:57
